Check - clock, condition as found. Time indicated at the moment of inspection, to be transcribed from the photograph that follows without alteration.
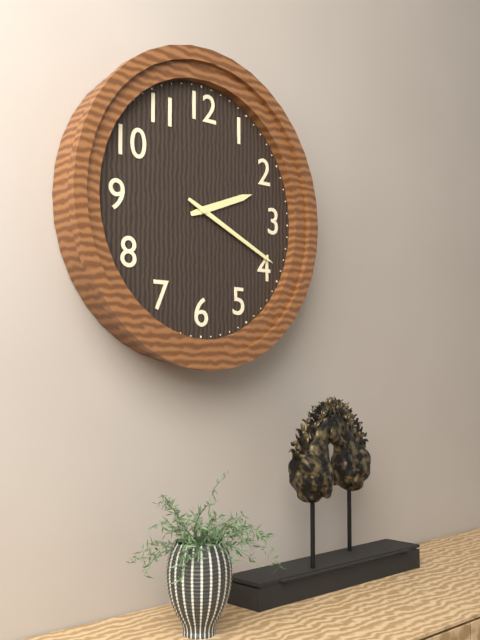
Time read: 2:19
